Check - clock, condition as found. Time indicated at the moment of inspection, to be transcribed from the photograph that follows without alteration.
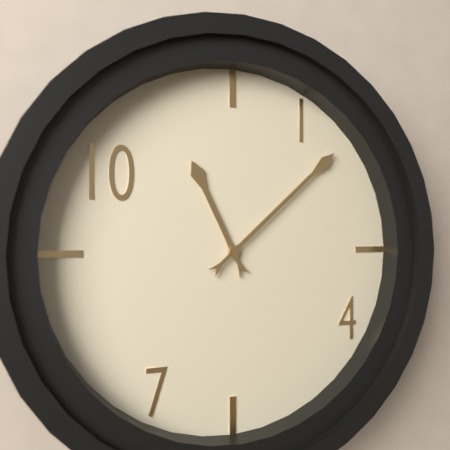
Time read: 11:08
